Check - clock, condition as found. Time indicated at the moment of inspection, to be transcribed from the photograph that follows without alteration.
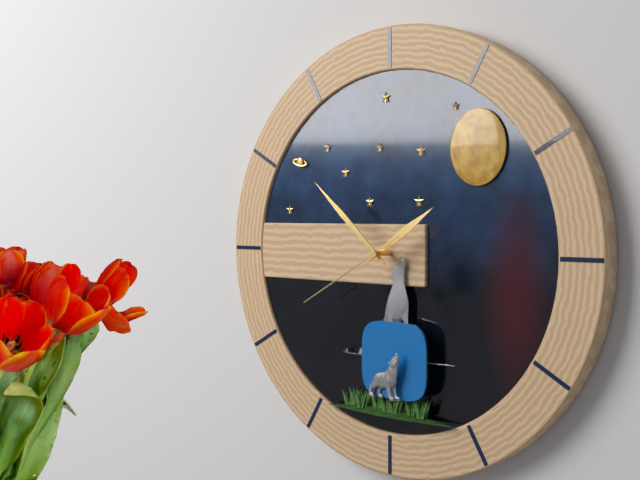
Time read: 1:52:40
